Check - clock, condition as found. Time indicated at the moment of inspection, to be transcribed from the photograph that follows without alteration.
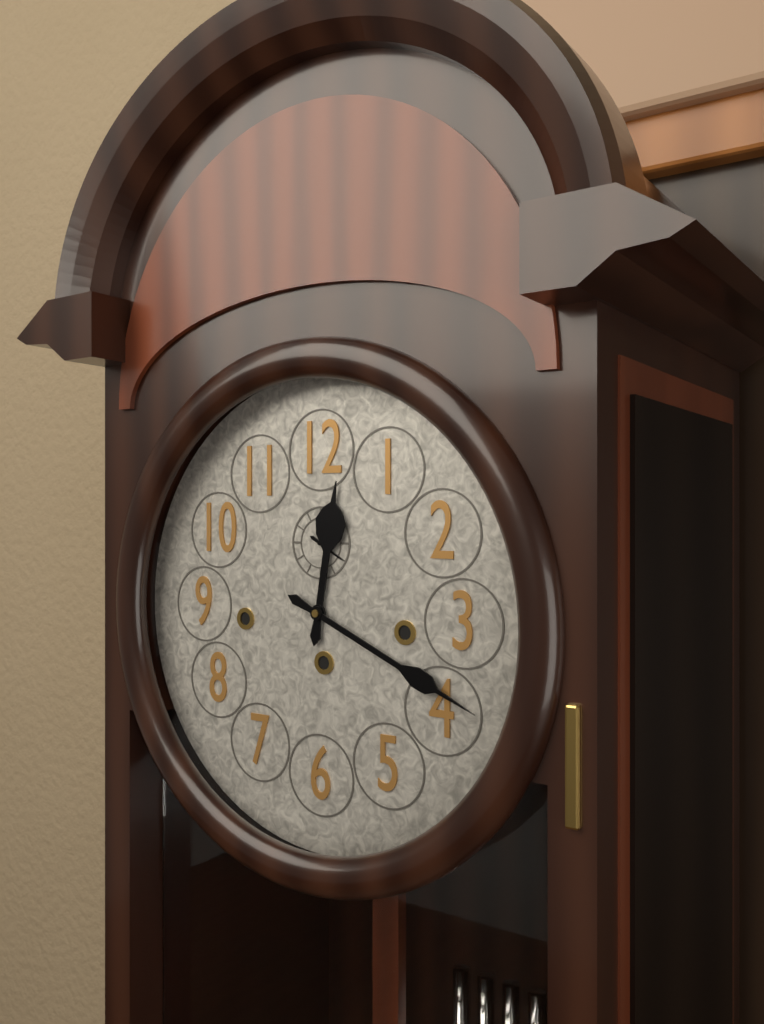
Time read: 12:19:20
